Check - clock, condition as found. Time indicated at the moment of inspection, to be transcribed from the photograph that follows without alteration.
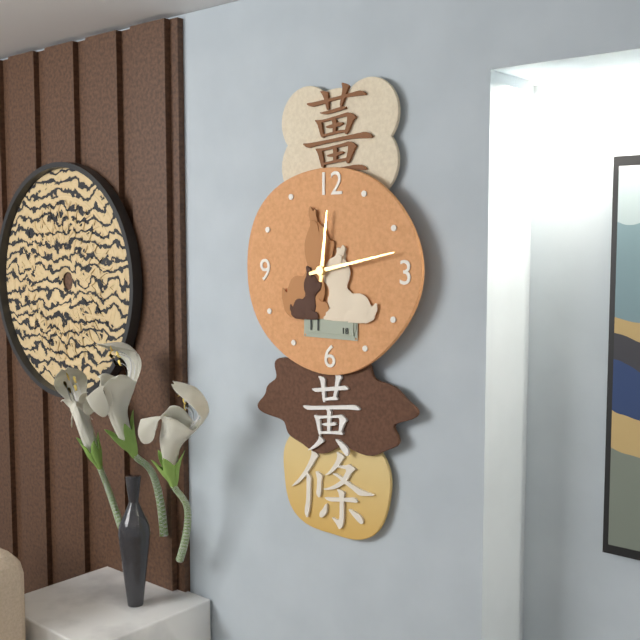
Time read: 12:13
